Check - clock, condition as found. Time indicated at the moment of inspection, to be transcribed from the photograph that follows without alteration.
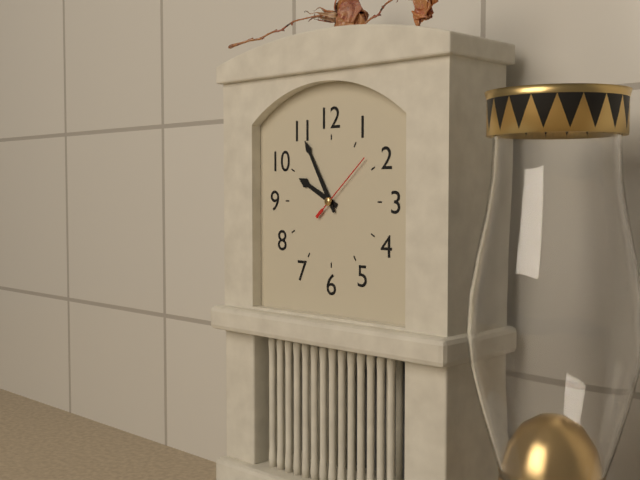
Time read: 9:55:08
